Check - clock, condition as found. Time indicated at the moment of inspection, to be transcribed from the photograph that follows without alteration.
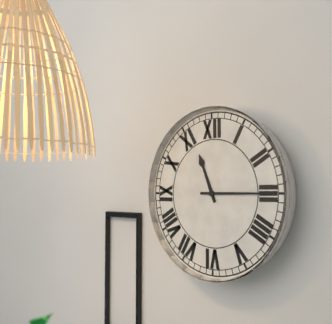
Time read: 11:15
